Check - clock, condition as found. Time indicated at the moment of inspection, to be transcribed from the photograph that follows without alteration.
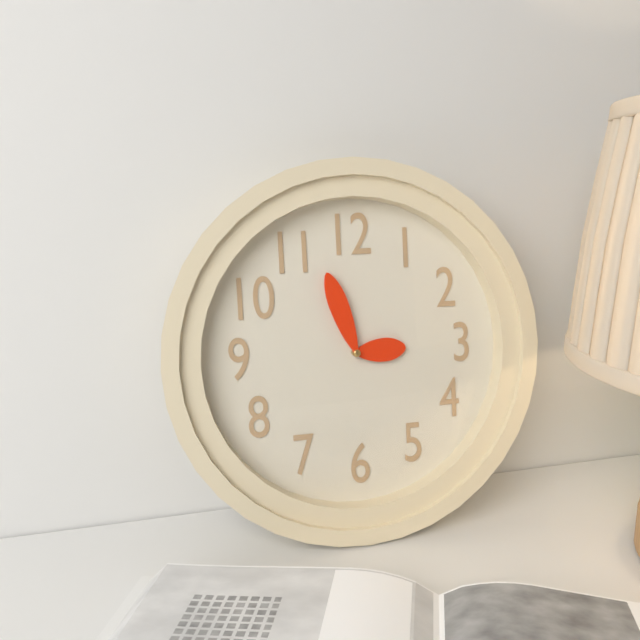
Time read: 2:57
